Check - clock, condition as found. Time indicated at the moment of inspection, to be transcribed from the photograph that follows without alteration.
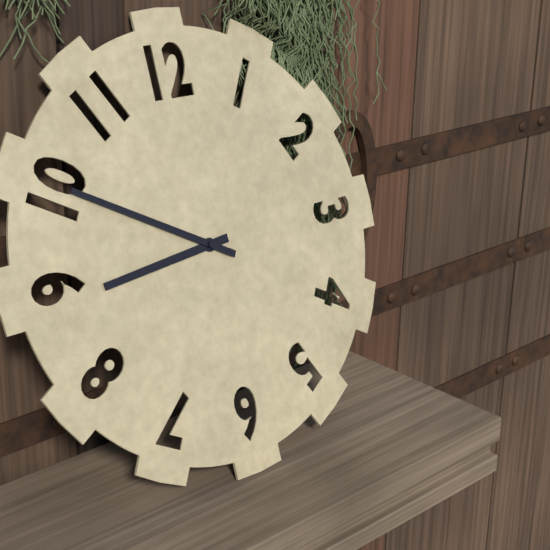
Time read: 8:50
